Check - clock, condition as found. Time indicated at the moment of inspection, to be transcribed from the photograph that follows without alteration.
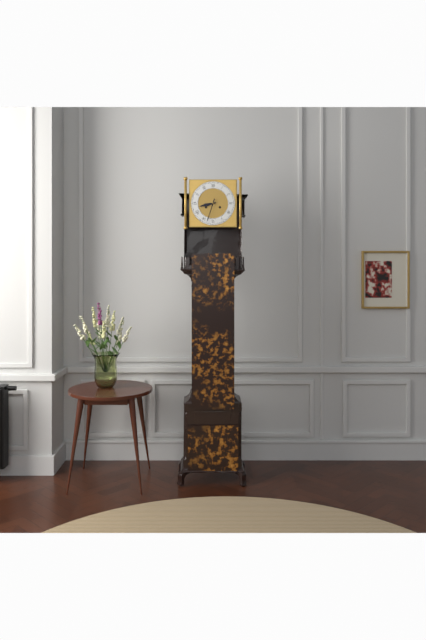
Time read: 8:33
